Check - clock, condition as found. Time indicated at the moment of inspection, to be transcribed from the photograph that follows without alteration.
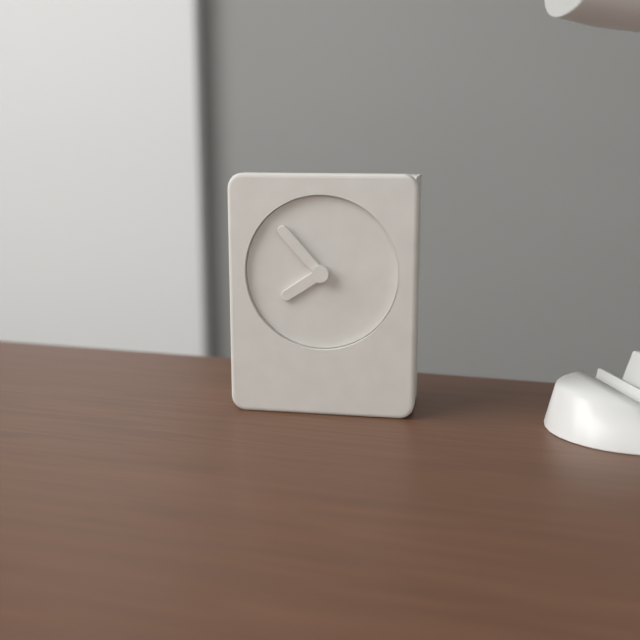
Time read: 7:53
